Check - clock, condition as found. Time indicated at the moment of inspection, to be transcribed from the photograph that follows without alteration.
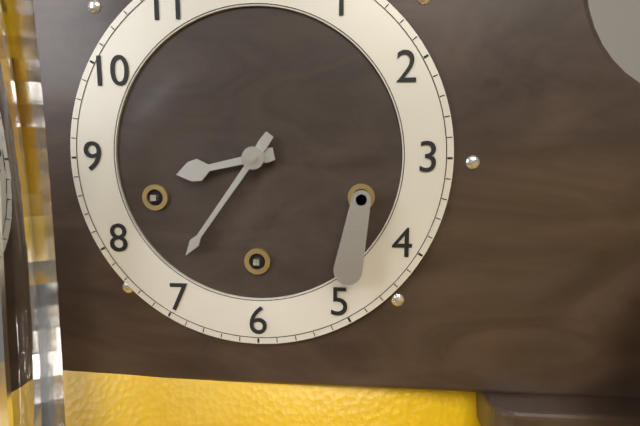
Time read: 8:36
